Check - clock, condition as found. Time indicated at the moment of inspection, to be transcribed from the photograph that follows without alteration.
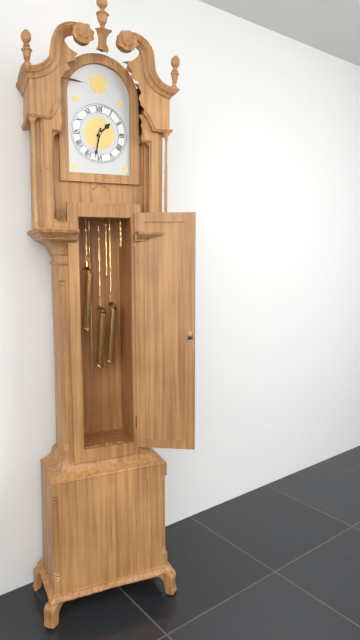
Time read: 1:32
